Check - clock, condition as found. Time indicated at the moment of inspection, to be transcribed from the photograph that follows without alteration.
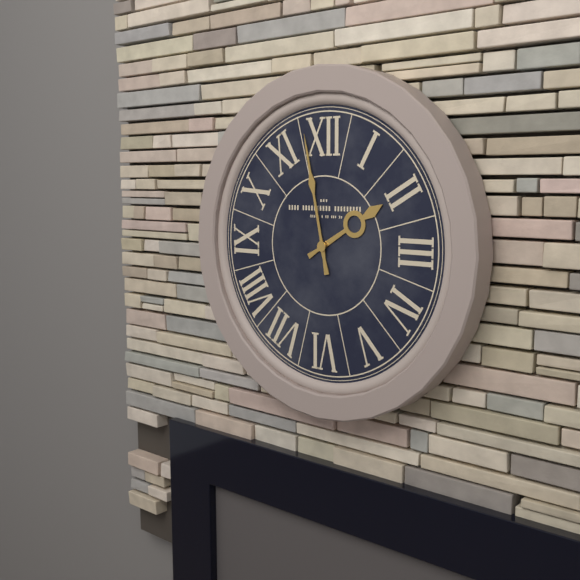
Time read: 1:58
